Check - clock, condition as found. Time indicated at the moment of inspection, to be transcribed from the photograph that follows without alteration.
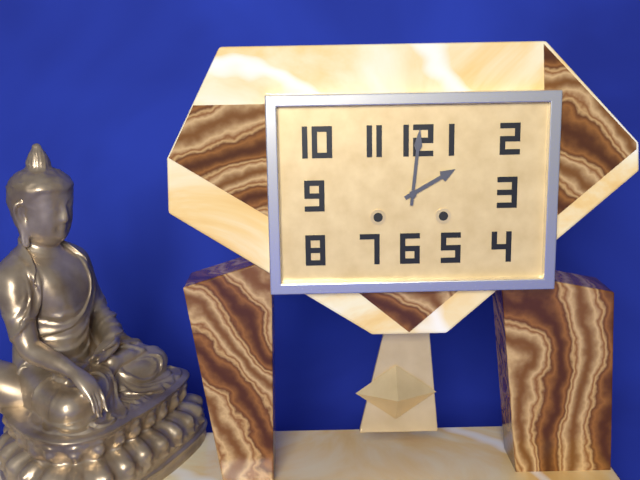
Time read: 2:01
